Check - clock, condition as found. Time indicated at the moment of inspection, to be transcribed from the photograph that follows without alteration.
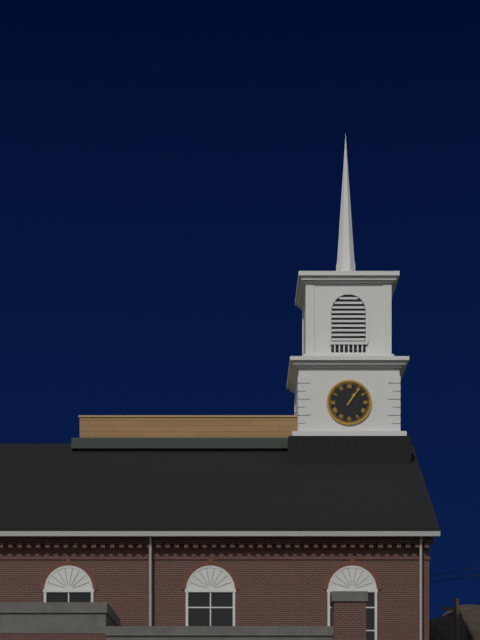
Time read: 1:06
